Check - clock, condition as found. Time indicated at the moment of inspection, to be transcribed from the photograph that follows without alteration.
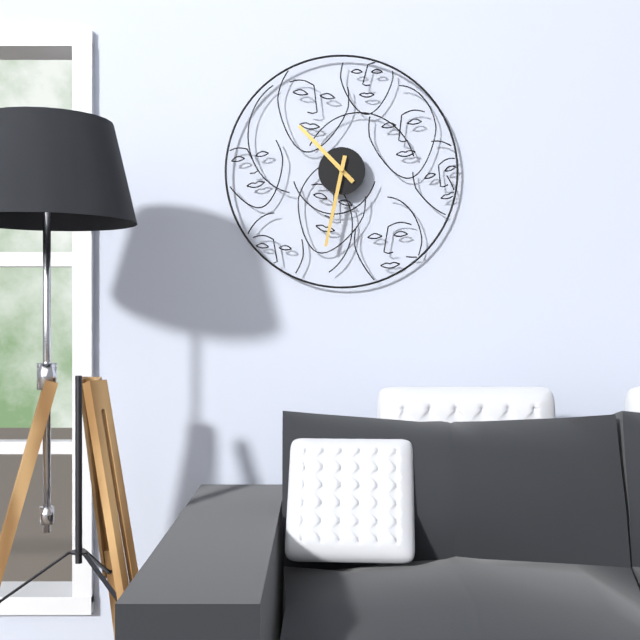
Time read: 10:32
